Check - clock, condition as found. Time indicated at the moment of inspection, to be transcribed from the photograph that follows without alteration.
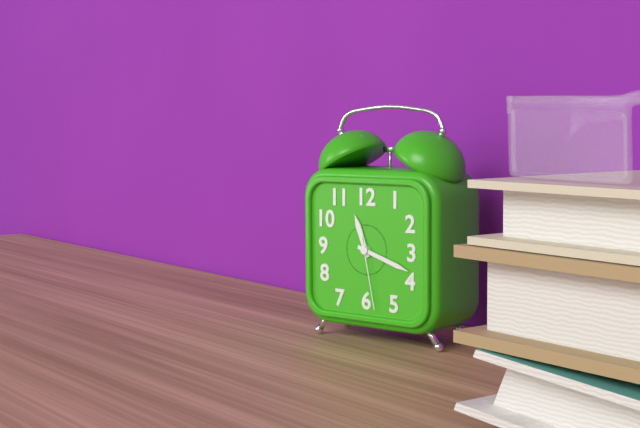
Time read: 11:18:28
